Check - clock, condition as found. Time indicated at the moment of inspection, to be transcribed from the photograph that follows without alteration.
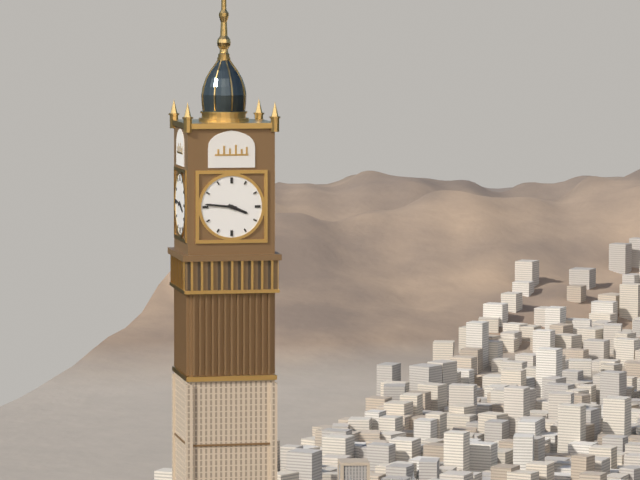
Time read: 3:46
